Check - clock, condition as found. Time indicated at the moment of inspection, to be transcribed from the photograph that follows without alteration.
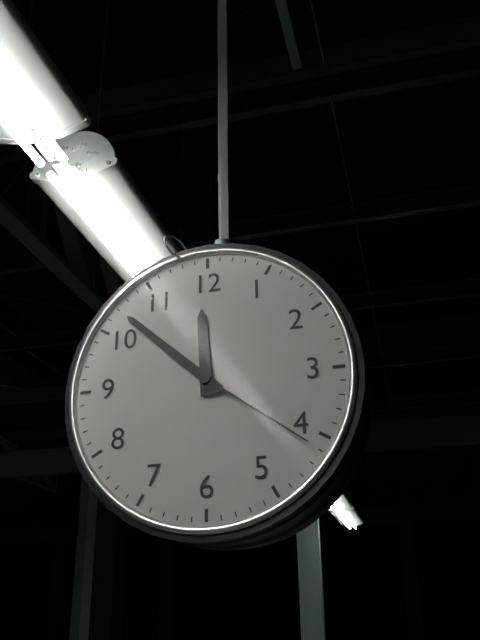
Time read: 11:52:21
